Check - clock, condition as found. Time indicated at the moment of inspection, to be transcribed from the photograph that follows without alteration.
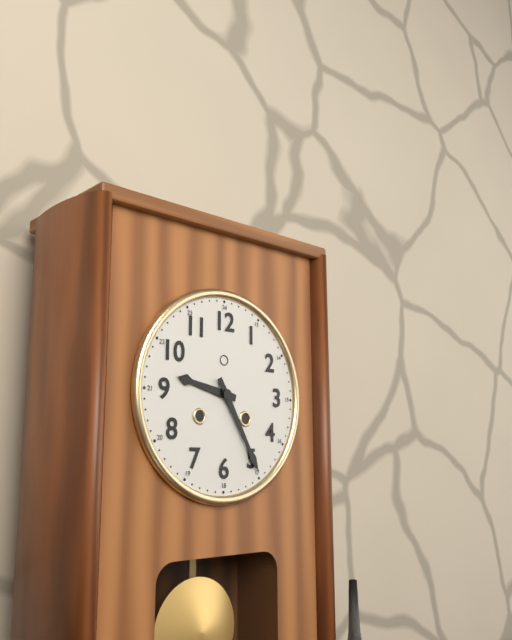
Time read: 9:25
